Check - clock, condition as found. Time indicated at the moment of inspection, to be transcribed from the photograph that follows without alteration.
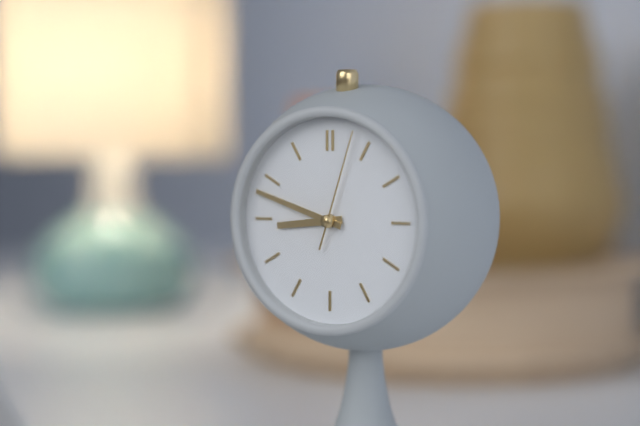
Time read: 8:48:03
